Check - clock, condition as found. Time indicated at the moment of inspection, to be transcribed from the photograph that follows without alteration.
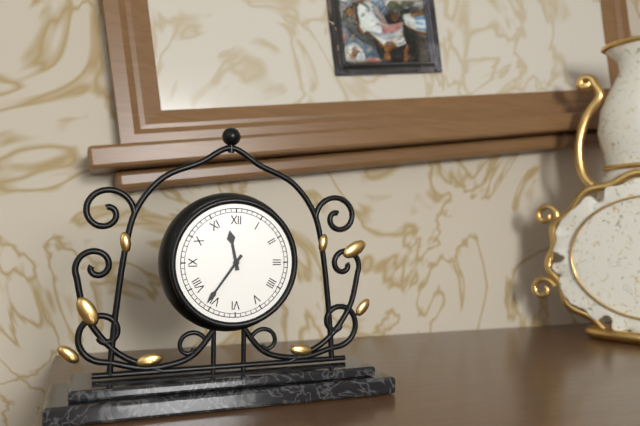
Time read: 11:36
